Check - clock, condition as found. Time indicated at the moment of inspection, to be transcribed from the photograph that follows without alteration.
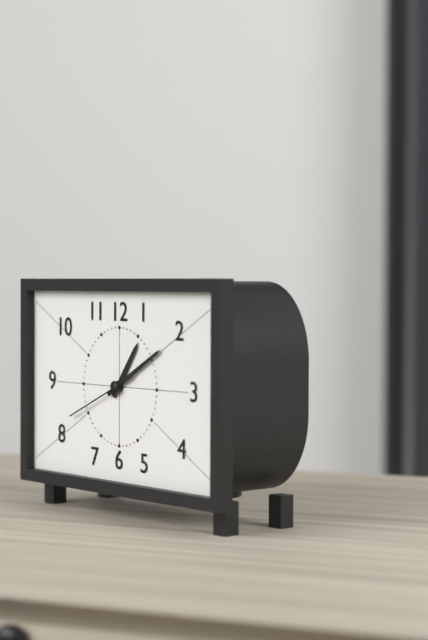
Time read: 1:10:41
